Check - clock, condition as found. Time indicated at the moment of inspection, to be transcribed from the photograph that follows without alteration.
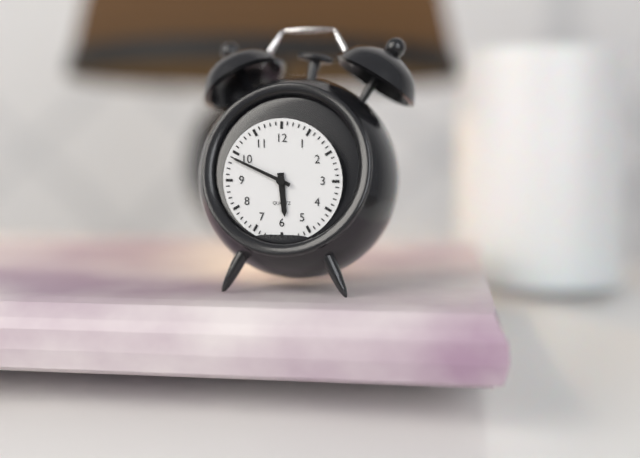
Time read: 5:49
